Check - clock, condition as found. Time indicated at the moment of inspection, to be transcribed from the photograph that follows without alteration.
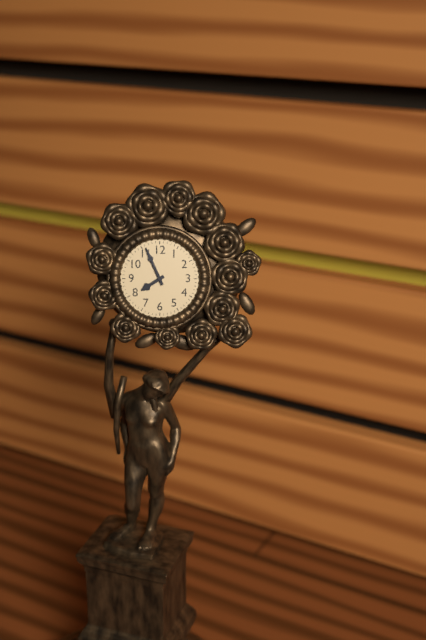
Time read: 7:56
